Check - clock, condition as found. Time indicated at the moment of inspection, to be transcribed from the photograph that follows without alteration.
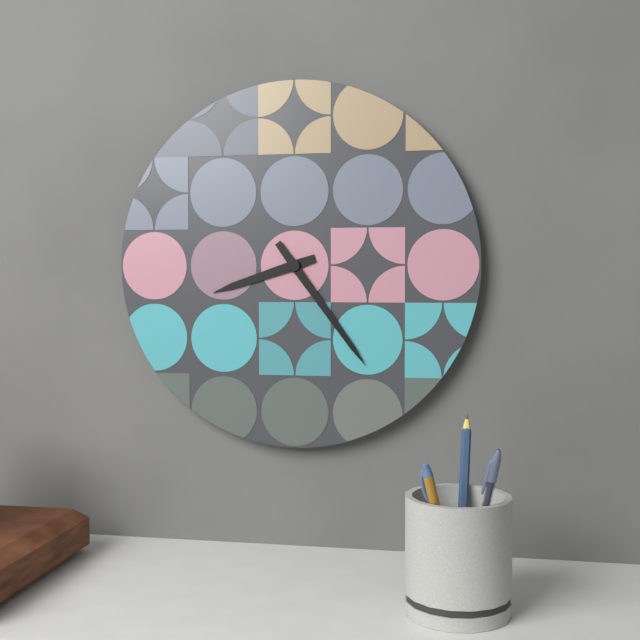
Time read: 8:24
